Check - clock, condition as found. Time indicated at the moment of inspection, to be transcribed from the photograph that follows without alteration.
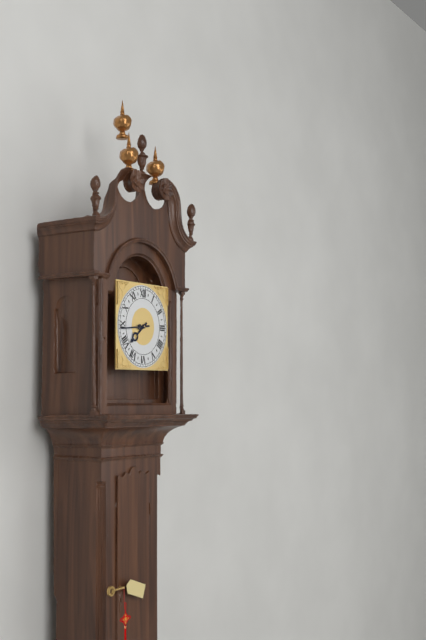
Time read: 7:44
